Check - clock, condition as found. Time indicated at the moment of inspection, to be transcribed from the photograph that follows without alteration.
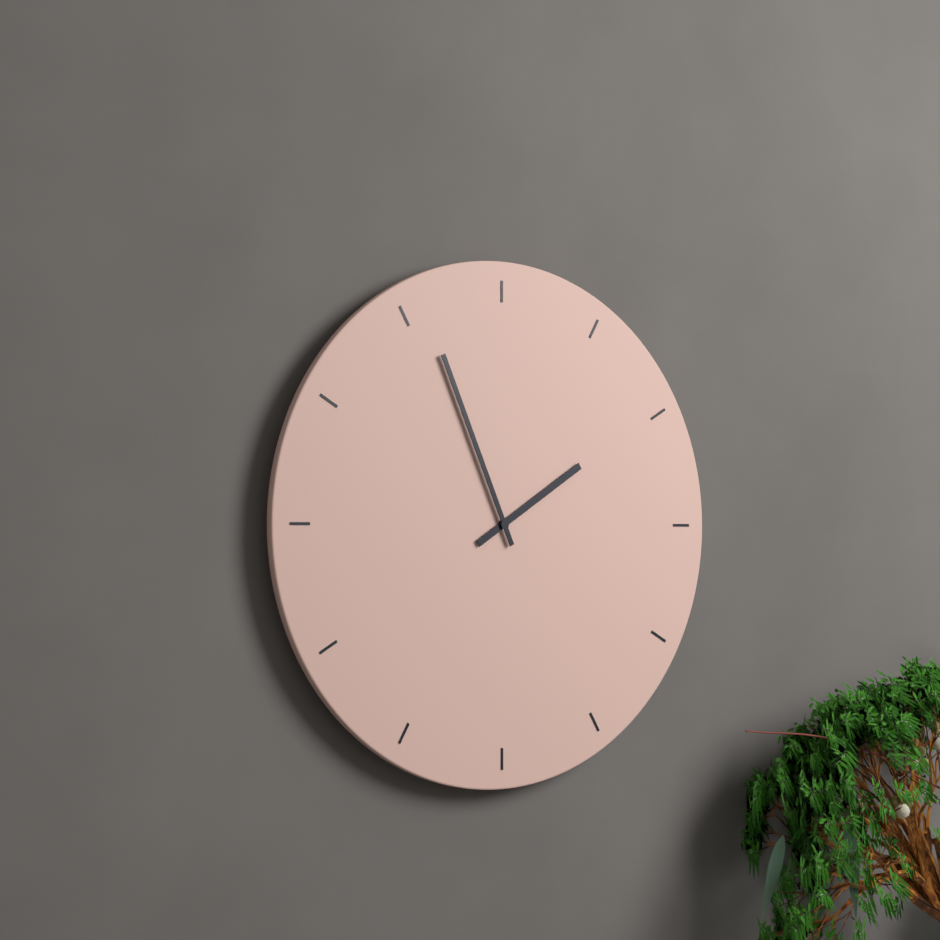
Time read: 1:56
